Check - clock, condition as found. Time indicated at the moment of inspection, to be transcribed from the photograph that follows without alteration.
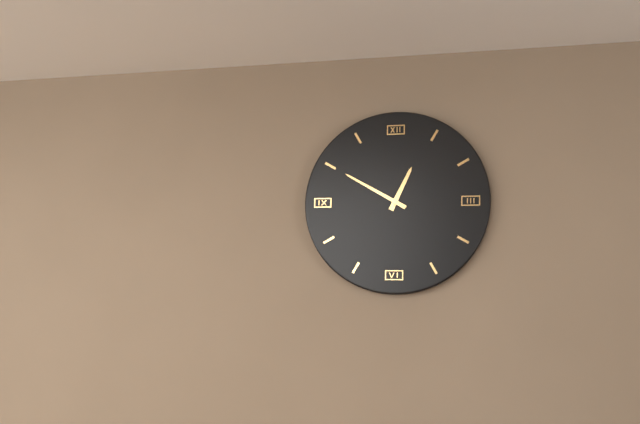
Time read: 12:50
